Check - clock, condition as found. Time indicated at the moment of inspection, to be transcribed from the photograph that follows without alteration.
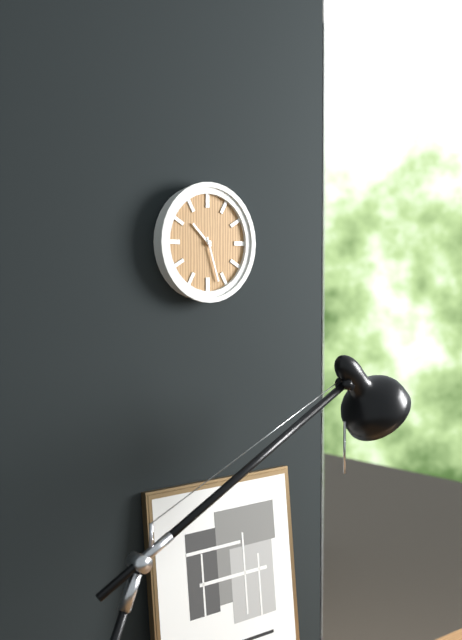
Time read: 10:27
